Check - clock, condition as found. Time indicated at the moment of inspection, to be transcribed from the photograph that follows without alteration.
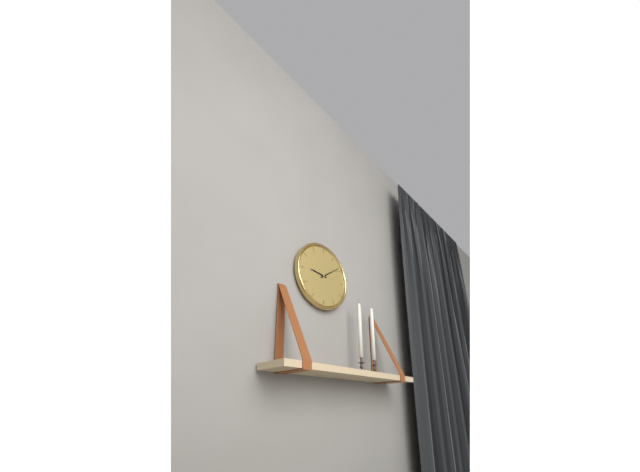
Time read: 9:09
